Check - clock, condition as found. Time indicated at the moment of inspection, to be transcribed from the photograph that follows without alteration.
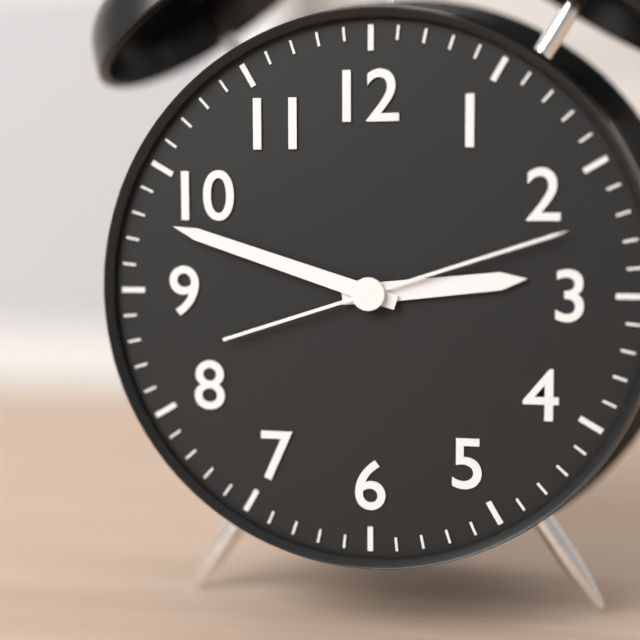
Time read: 2:48:12
